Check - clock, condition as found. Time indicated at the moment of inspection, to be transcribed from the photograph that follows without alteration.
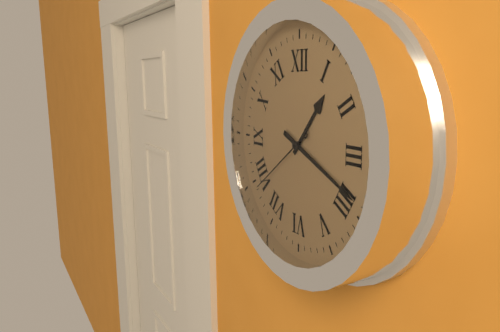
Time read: 1:19:39
